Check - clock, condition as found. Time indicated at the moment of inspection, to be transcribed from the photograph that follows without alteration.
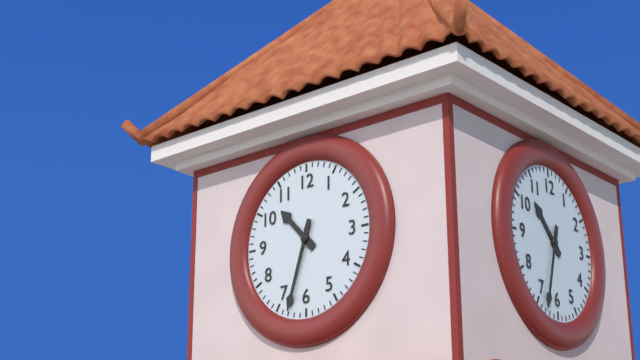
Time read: 10:33
